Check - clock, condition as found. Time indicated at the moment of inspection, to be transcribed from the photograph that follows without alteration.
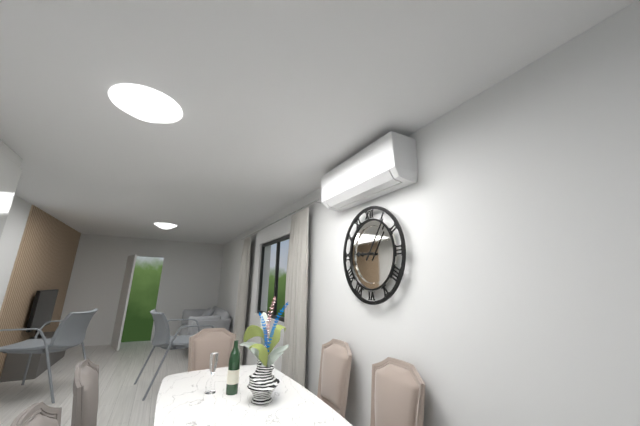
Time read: 9:06
